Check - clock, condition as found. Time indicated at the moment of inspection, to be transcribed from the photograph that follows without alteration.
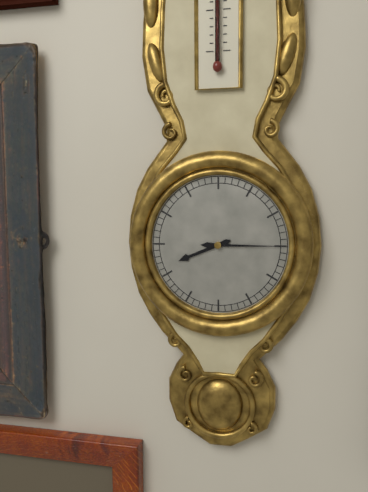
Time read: 8:15
